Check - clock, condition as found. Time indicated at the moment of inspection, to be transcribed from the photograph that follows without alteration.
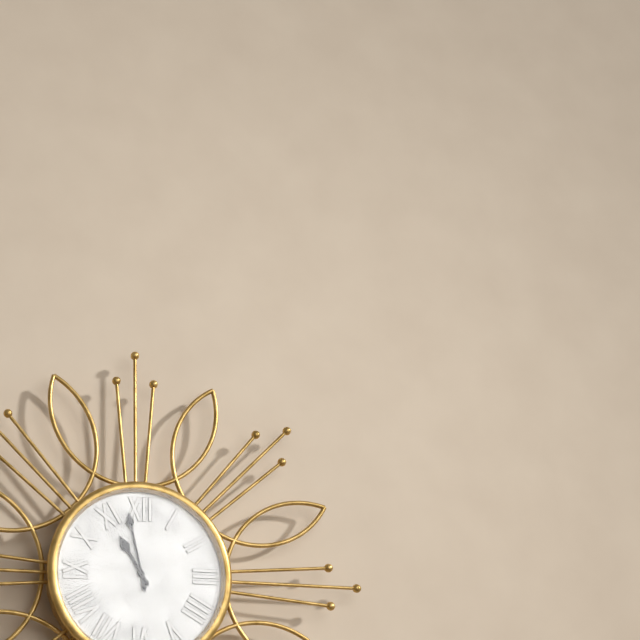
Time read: 10:58
